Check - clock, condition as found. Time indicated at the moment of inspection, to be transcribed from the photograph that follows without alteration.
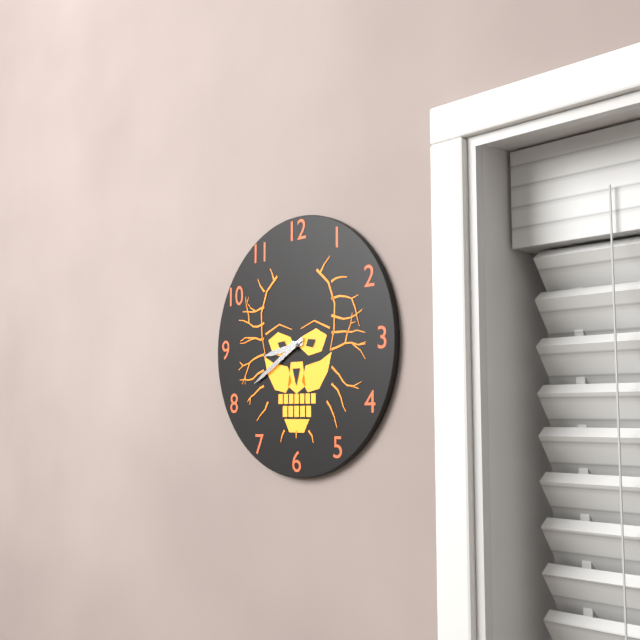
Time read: 8:40
